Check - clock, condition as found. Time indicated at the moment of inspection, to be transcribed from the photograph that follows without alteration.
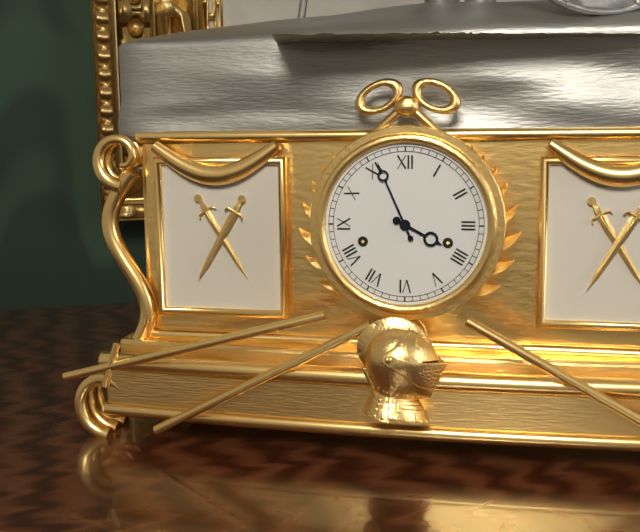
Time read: 3:56
